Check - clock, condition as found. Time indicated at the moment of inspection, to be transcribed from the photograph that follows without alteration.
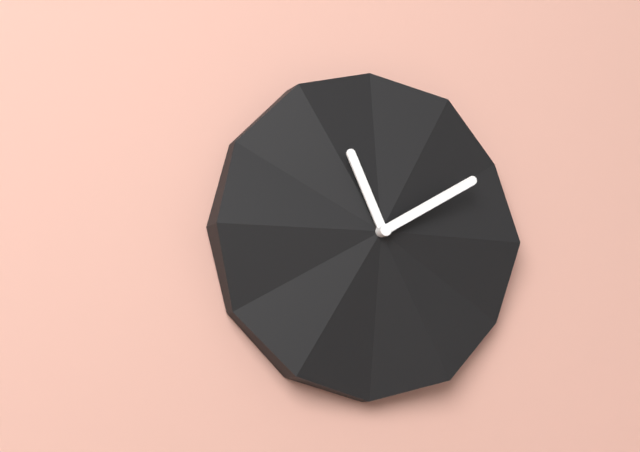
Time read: 11:10
